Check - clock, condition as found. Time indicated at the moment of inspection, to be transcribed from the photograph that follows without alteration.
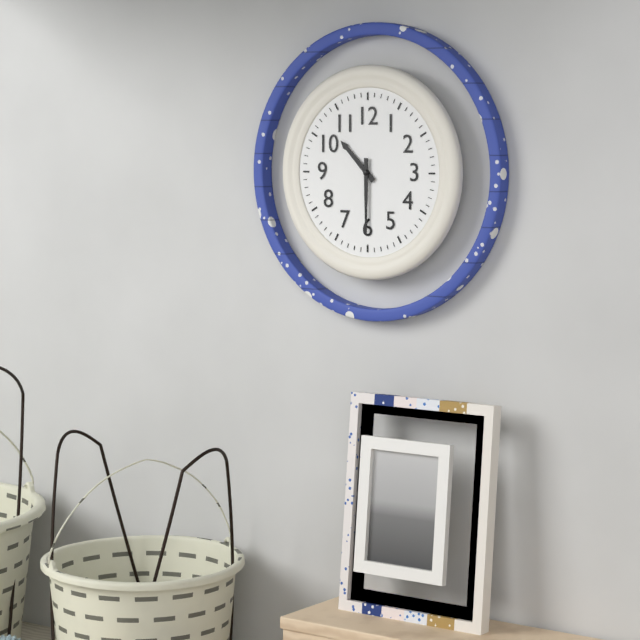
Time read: 10:30
